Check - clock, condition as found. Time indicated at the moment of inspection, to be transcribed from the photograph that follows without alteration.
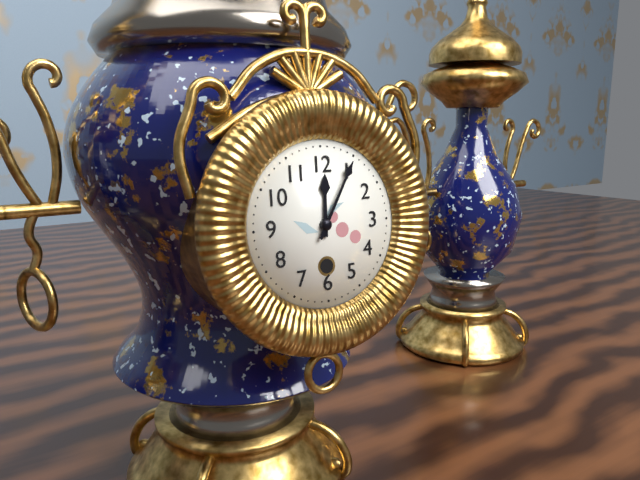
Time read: 12:05
